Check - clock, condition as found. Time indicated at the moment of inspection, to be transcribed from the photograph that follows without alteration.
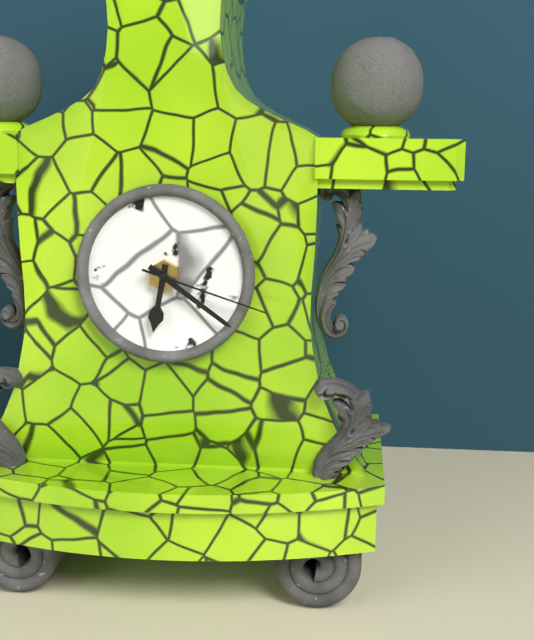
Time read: 6:21:18
